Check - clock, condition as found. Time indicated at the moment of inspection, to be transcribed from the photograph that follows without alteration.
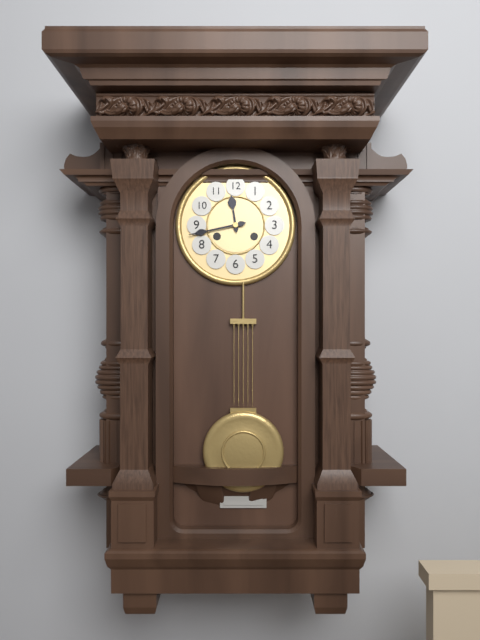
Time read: 11:43
